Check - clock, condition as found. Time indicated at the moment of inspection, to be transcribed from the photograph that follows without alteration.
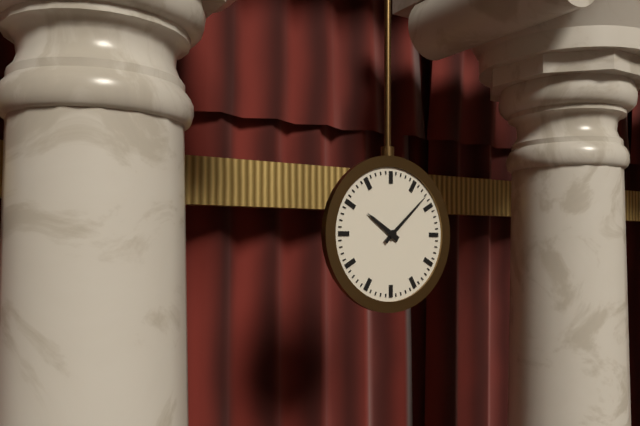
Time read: 10:08
